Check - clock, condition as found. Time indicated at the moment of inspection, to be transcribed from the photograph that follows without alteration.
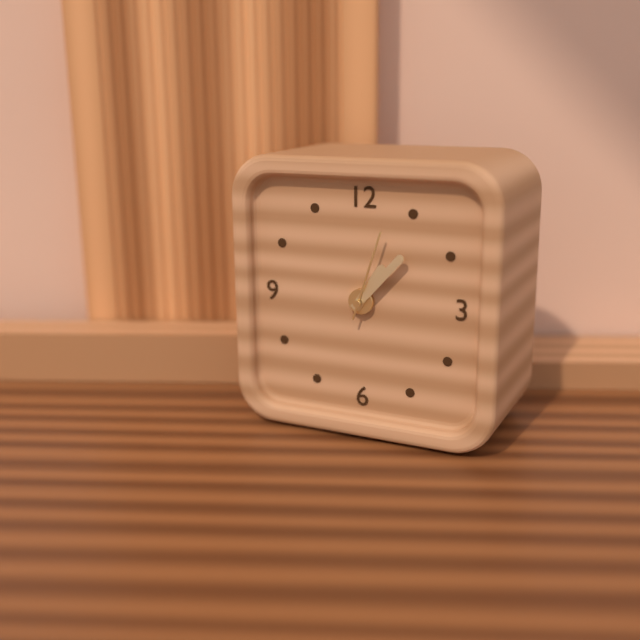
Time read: 1:07:03
